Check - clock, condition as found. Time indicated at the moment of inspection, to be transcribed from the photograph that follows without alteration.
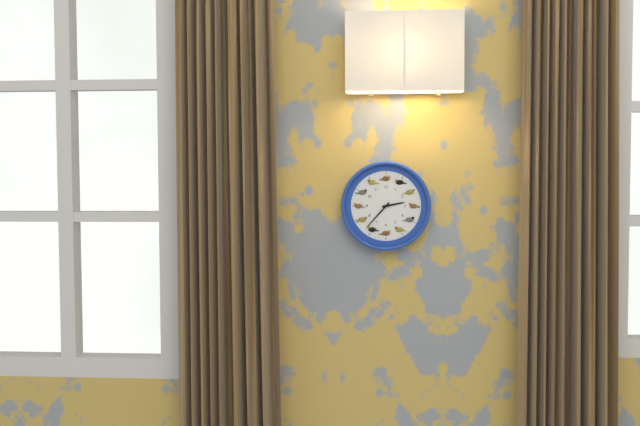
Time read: 2:37
